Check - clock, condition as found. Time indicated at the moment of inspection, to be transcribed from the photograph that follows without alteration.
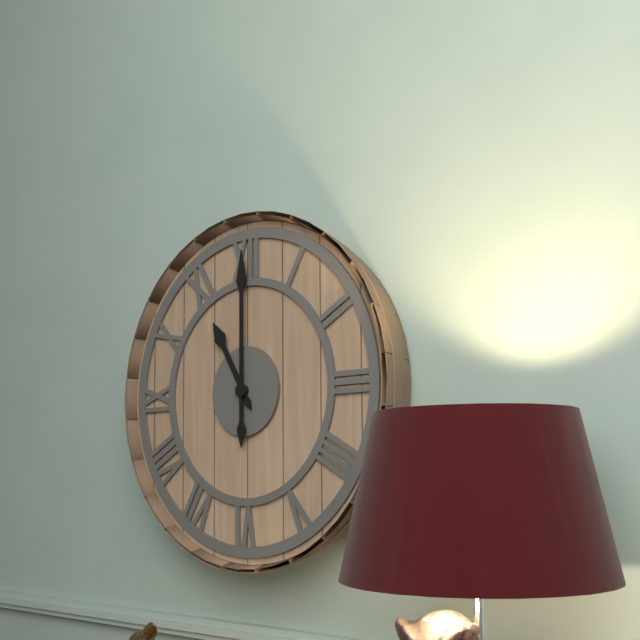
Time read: 11:00
